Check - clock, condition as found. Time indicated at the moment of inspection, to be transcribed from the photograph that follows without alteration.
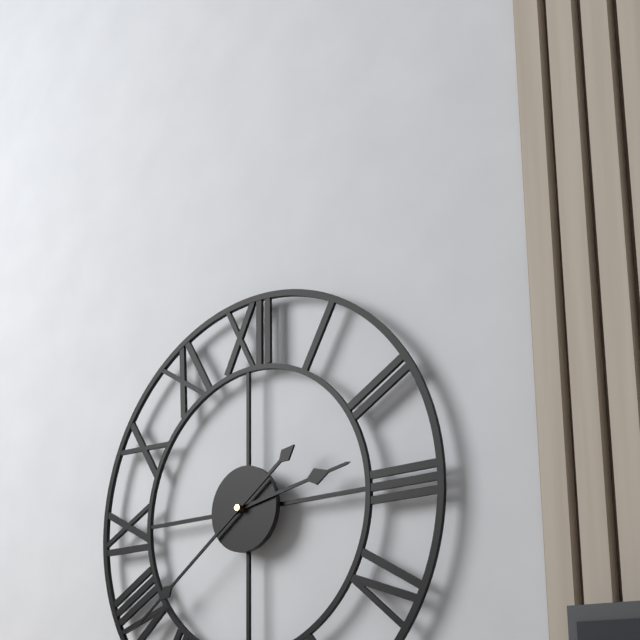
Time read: 2:39
